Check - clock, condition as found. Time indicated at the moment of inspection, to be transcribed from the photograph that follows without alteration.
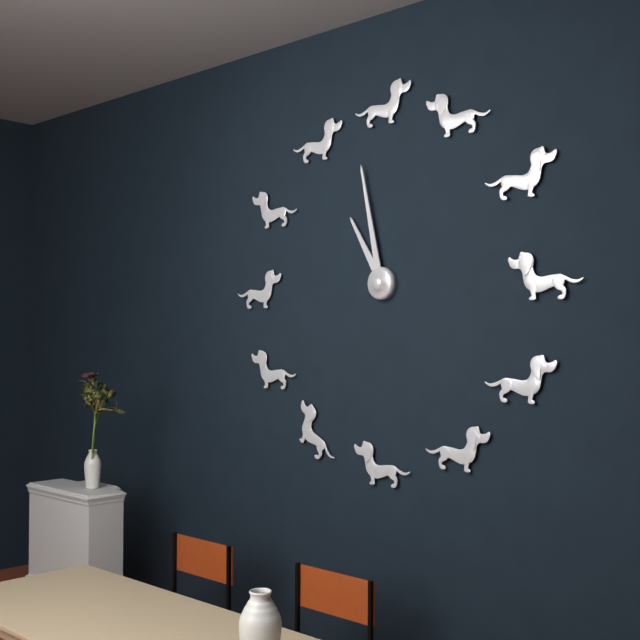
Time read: 10:58
